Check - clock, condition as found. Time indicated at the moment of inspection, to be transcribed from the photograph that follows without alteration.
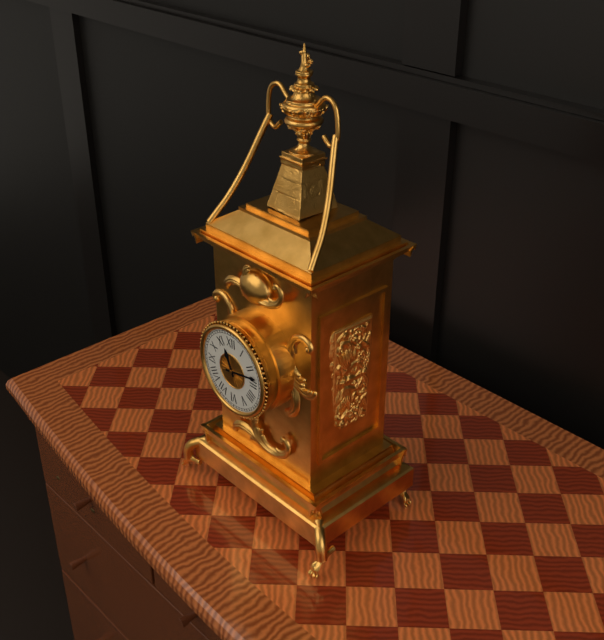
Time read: 11:13
